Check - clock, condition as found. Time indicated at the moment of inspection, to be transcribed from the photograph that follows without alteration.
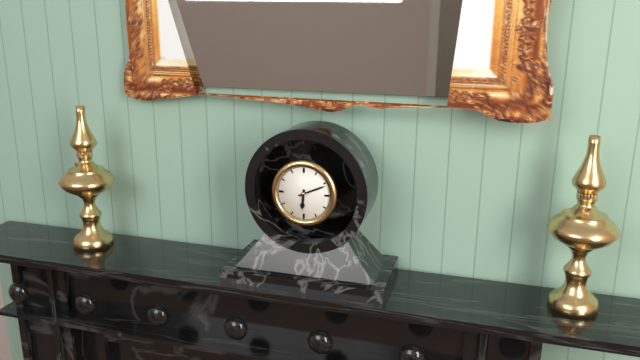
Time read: 6:11
